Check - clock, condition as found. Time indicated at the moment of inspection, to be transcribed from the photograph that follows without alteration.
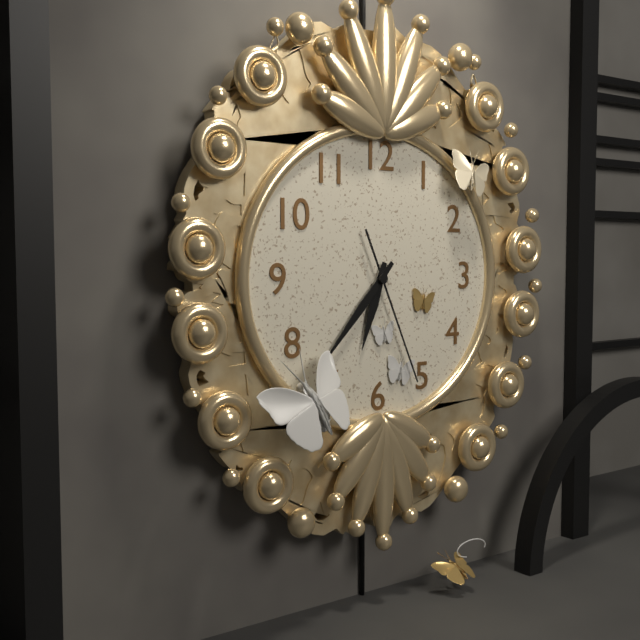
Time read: 6:37:26
